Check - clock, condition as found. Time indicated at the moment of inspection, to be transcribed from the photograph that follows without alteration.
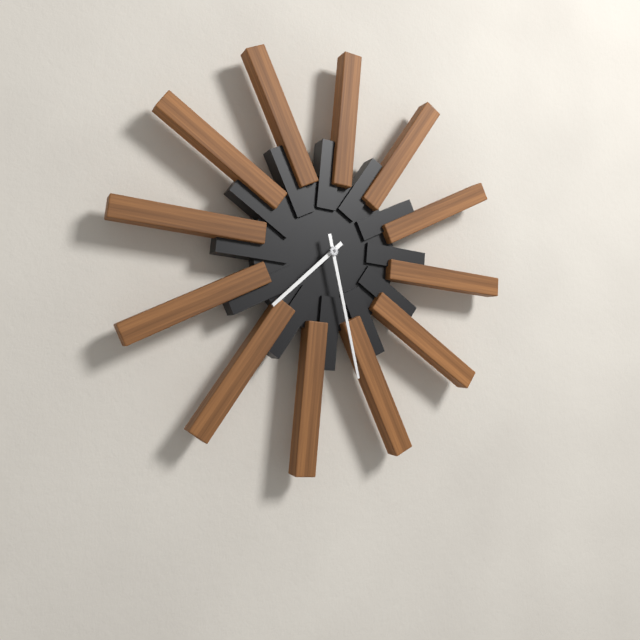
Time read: 7:27
